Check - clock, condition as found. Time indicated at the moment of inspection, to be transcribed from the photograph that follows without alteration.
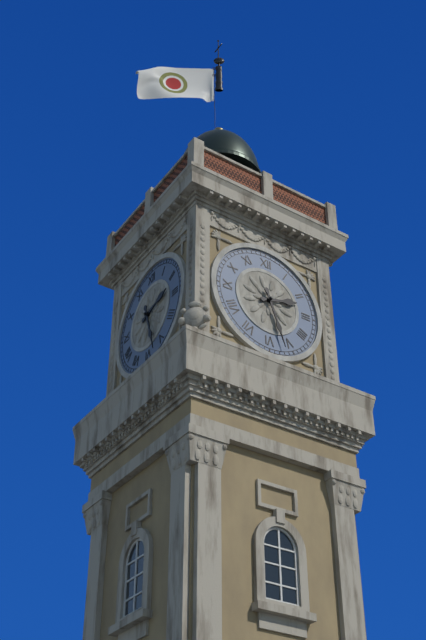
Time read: 2:27
